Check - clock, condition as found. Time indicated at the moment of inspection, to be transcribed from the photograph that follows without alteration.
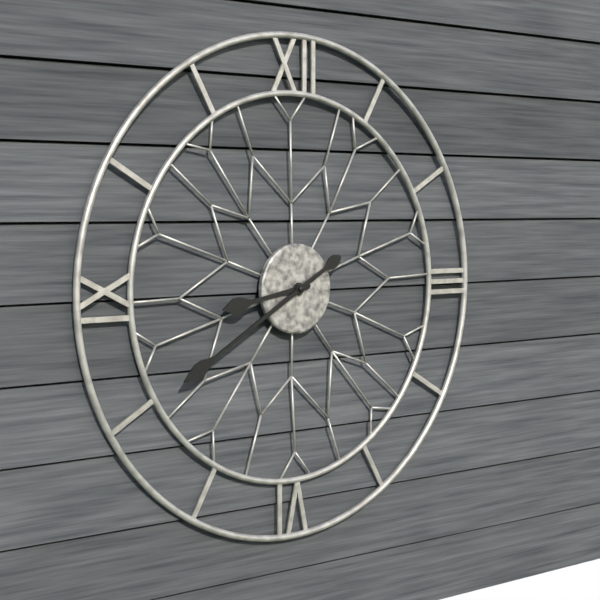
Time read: 8:40
